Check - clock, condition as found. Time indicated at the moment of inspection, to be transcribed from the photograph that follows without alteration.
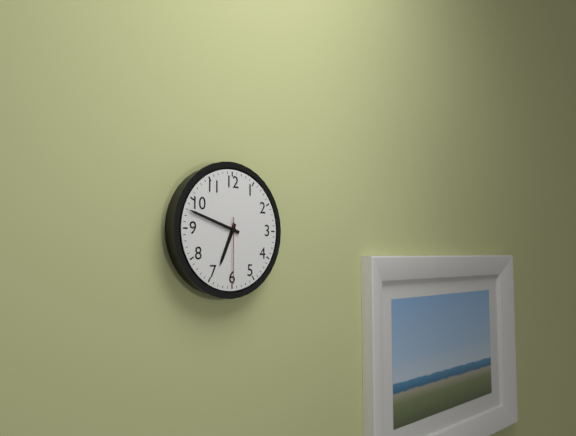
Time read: 6:48:30
